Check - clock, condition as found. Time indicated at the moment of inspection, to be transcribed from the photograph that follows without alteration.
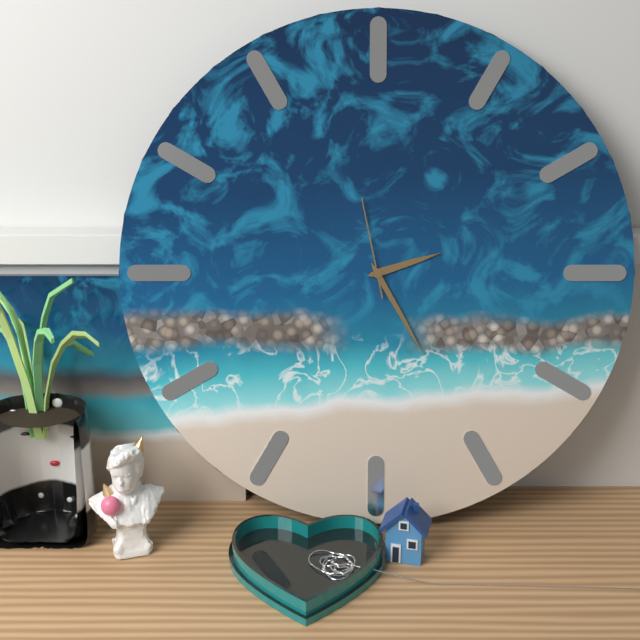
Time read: 2:25:58
